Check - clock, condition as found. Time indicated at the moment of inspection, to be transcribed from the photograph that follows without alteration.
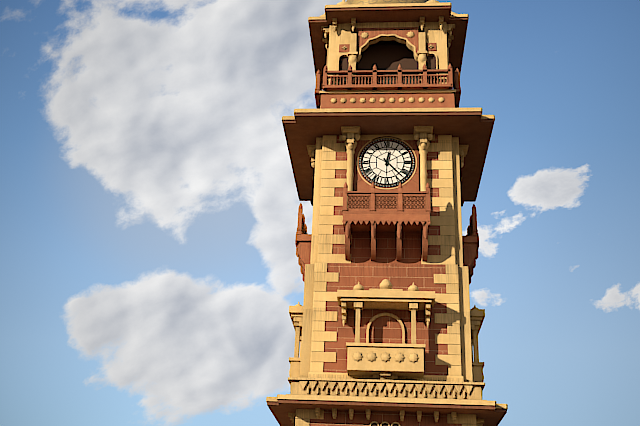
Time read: 12:23
